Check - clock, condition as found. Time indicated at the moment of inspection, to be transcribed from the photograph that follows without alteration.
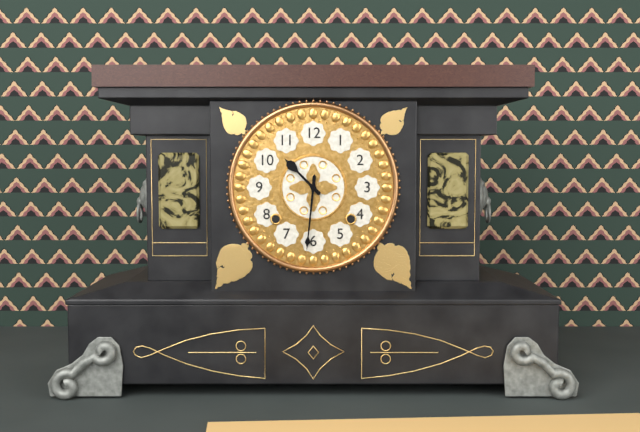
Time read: 10:31
